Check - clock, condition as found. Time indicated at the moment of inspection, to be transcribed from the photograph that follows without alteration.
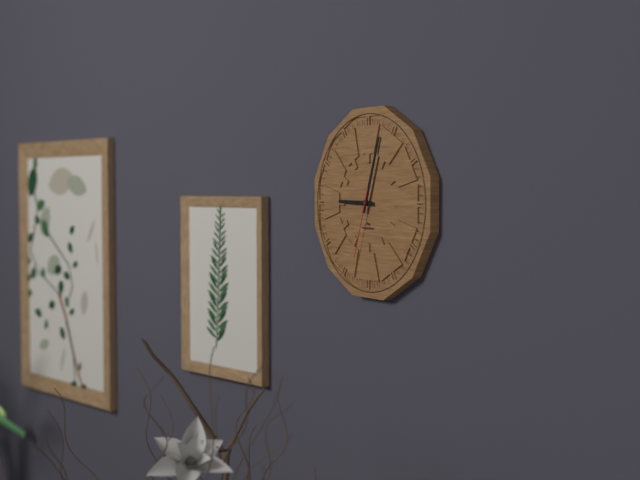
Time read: 9:03:33
